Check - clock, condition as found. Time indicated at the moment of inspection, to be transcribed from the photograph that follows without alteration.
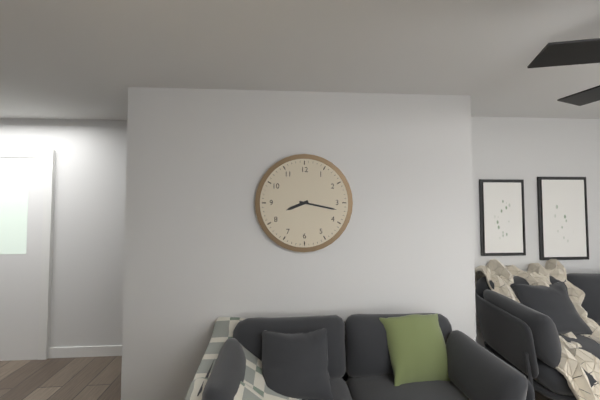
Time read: 8:17
